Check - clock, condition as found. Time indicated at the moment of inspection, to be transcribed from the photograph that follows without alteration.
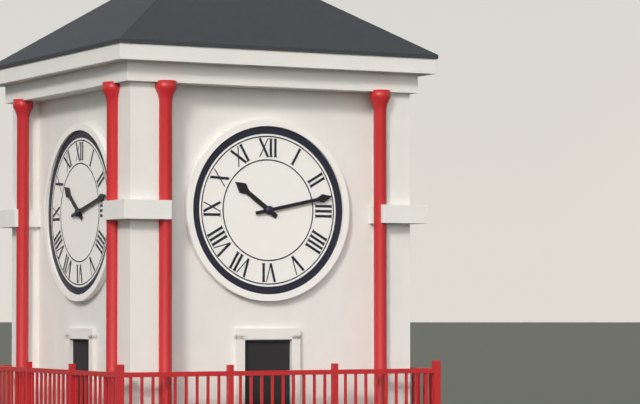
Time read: 10:13
